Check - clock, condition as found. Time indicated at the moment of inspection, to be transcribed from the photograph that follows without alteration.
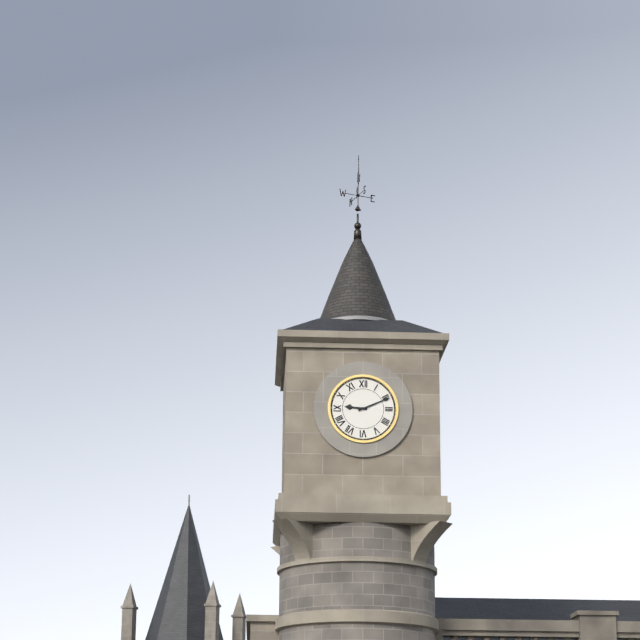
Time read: 9:11
